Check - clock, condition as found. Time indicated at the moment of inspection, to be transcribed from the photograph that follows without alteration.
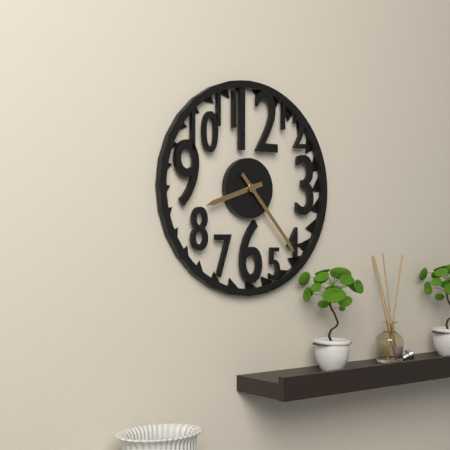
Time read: 8:23
